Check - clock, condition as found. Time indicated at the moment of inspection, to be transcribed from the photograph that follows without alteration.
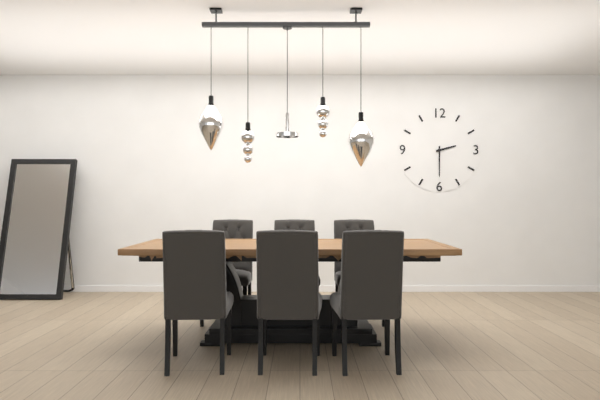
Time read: 2:30
